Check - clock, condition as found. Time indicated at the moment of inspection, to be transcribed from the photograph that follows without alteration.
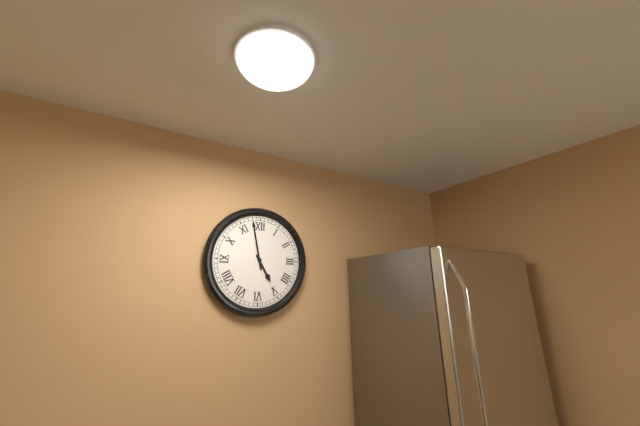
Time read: 4:58
